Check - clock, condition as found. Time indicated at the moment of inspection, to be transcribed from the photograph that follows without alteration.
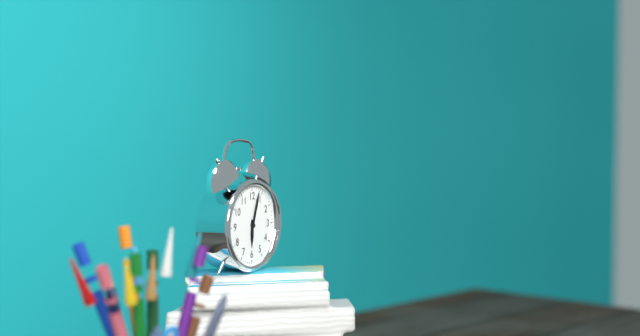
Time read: 6:03
